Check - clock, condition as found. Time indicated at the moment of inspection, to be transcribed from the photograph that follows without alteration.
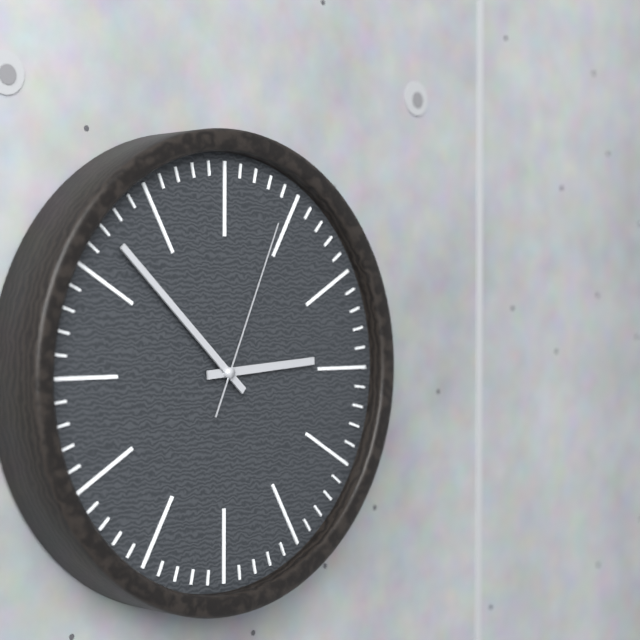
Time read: 2:52:04
